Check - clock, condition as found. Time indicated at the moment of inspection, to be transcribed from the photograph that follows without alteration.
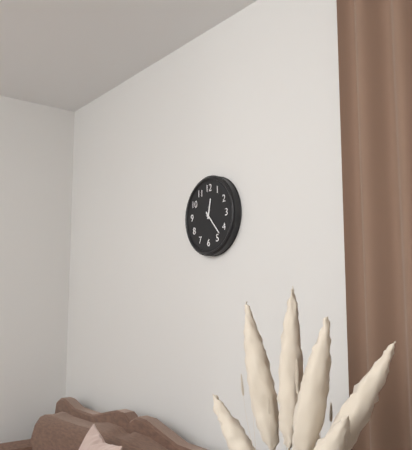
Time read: 12:23
